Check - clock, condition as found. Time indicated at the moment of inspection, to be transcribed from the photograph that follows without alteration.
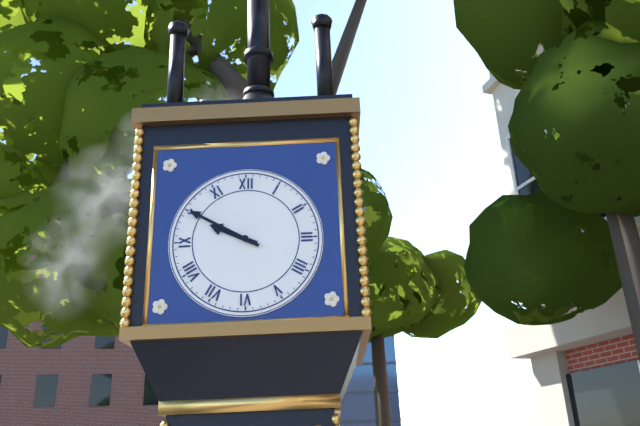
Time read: 9:50
